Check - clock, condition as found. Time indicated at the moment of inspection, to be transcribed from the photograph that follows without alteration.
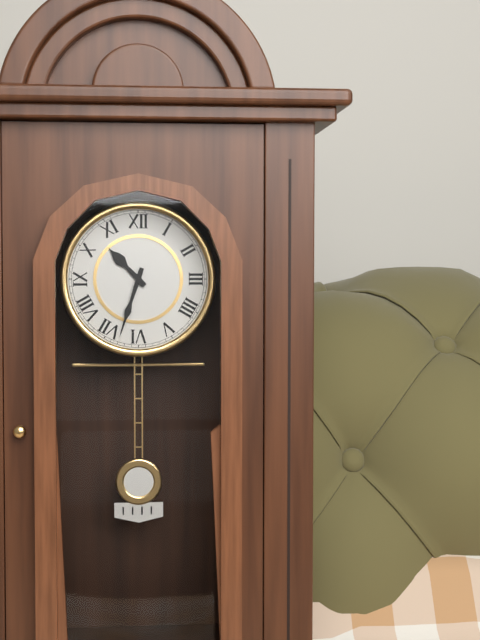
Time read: 10:33
